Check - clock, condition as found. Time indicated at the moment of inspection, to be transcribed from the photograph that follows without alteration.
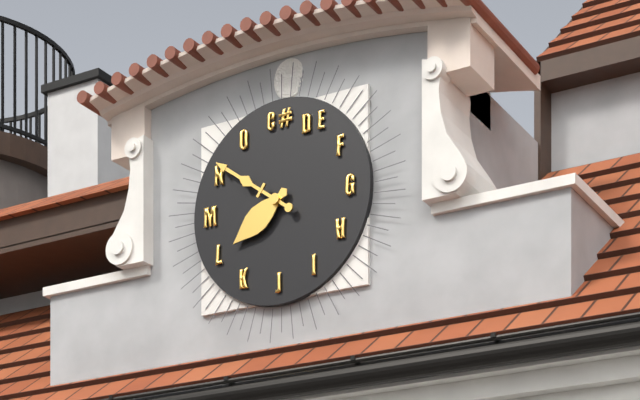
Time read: 7:51
